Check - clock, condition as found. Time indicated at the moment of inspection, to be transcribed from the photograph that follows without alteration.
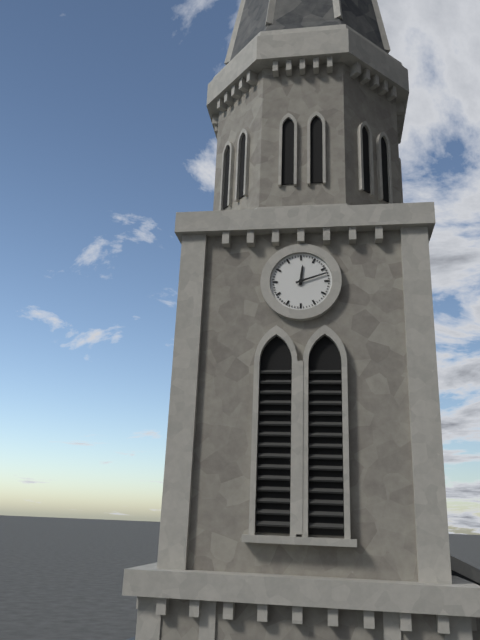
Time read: 12:12
